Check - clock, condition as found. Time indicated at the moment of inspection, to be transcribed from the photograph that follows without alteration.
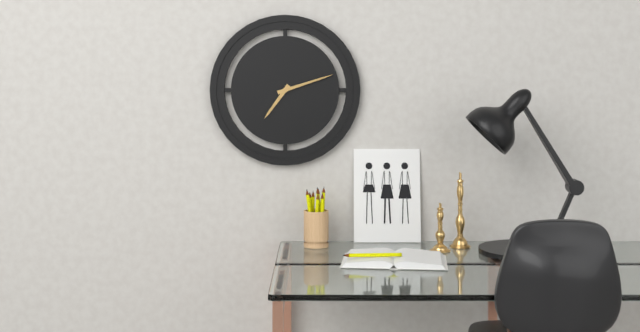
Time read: 7:12
